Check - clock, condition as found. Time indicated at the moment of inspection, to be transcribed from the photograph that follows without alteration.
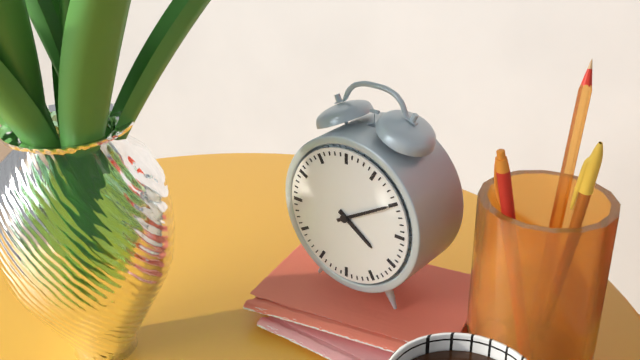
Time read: 4:10
